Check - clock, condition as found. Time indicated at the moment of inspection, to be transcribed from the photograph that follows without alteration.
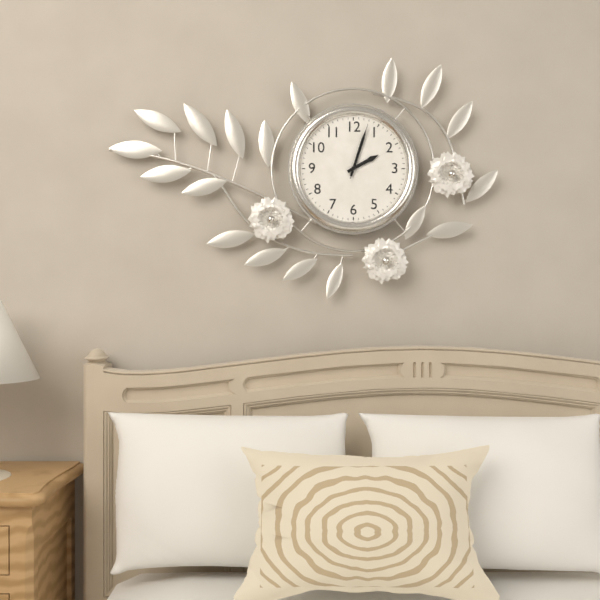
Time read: 2:03:03
